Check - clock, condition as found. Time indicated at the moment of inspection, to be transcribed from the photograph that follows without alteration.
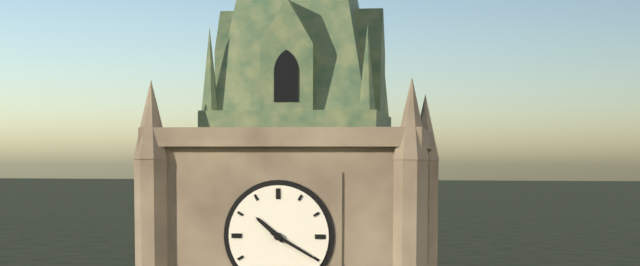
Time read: 10:20
